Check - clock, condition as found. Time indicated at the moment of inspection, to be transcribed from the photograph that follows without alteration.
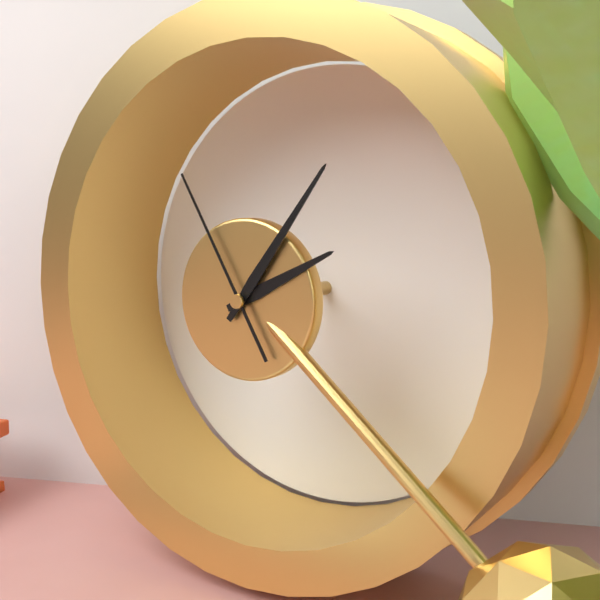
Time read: 2:06:55
